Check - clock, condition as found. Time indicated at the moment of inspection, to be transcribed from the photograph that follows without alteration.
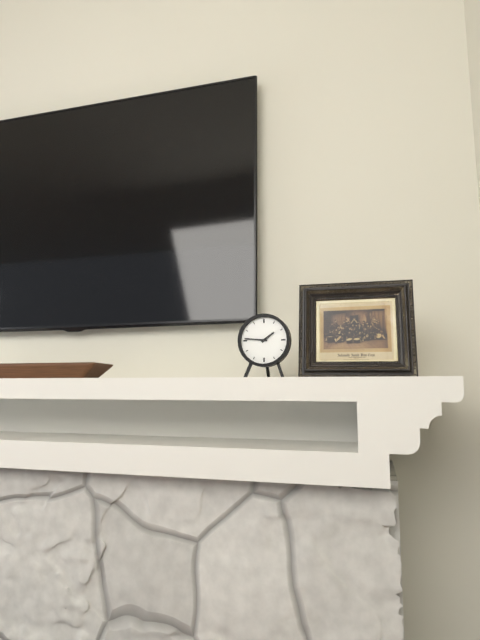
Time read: 1:46
